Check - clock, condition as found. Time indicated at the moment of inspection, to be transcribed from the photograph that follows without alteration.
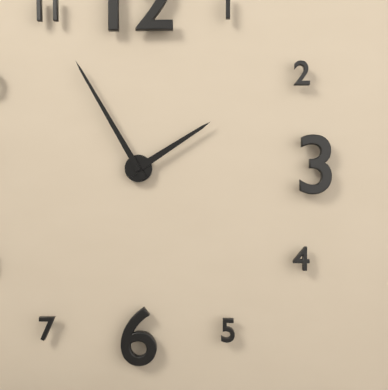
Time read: 1:55
